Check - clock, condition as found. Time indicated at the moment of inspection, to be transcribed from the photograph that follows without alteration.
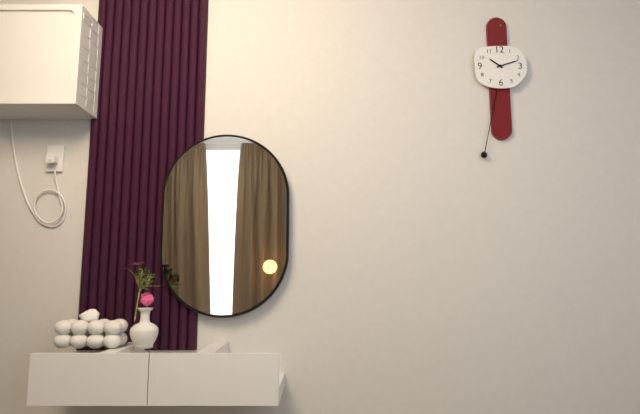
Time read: 10:12
